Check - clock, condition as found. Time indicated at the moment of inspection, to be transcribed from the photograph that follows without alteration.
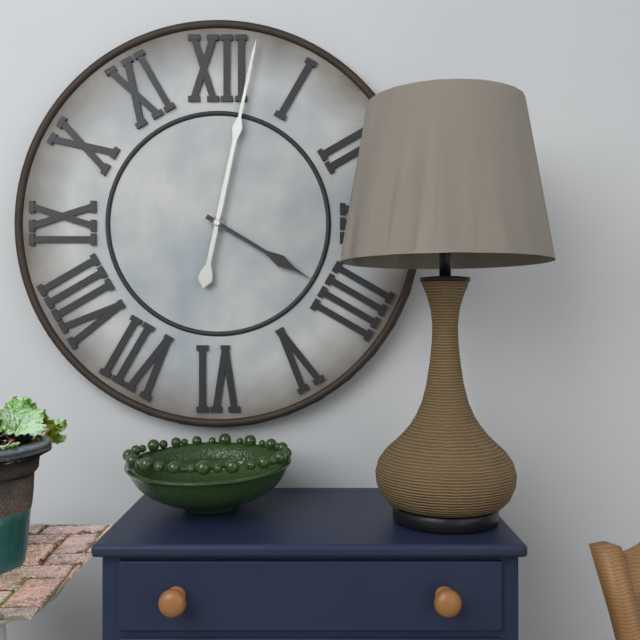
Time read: 4:02
